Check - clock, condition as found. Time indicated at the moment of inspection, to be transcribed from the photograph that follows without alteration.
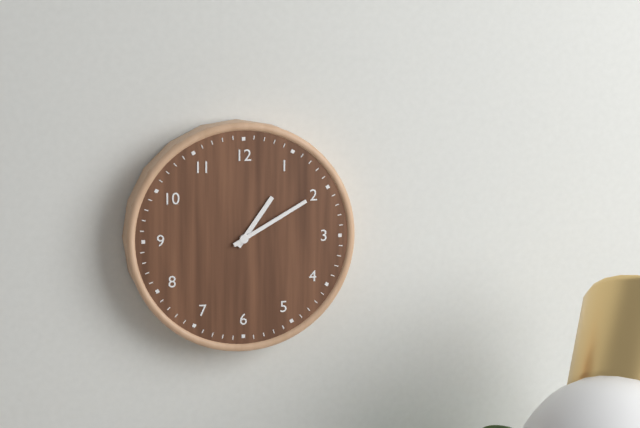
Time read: 1:10
